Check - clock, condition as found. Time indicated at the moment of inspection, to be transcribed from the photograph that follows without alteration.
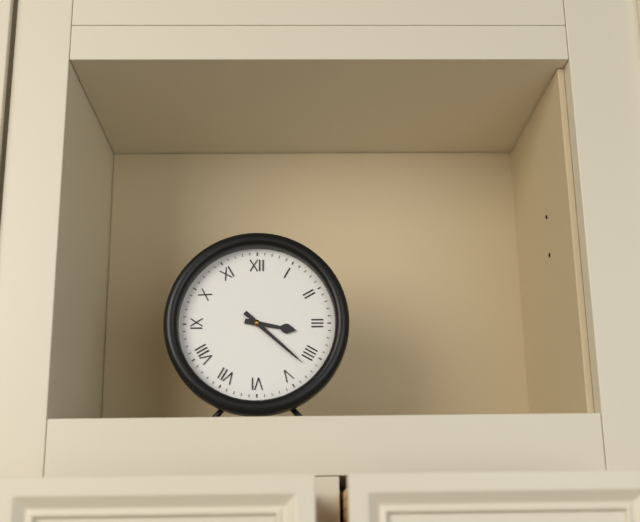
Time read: 3:22
